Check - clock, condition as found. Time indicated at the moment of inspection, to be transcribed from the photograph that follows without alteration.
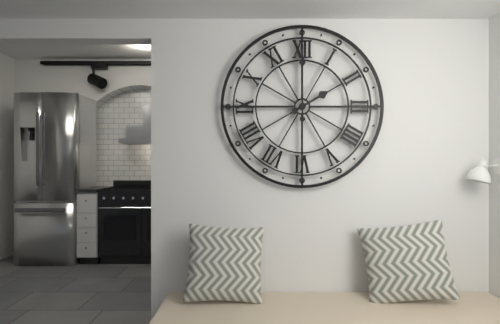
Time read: 2:00
